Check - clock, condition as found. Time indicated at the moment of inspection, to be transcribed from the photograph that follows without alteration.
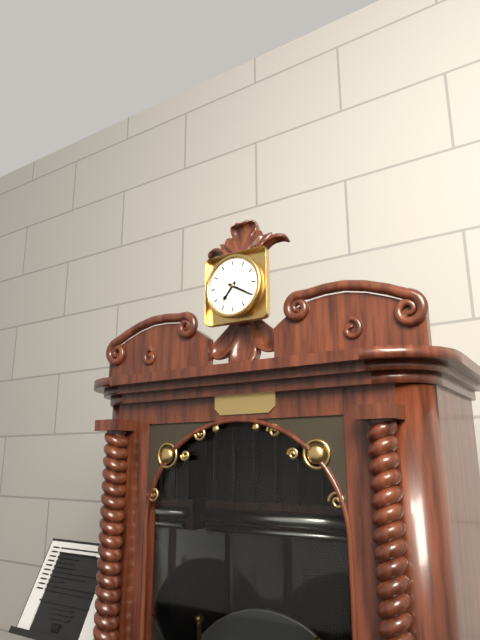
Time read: 7:20
